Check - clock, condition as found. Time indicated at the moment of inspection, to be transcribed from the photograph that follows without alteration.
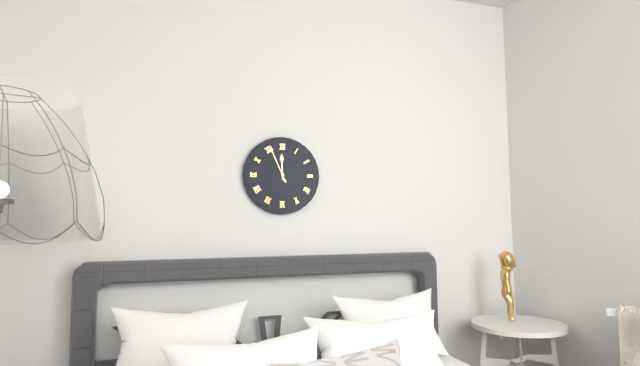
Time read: 11:56
